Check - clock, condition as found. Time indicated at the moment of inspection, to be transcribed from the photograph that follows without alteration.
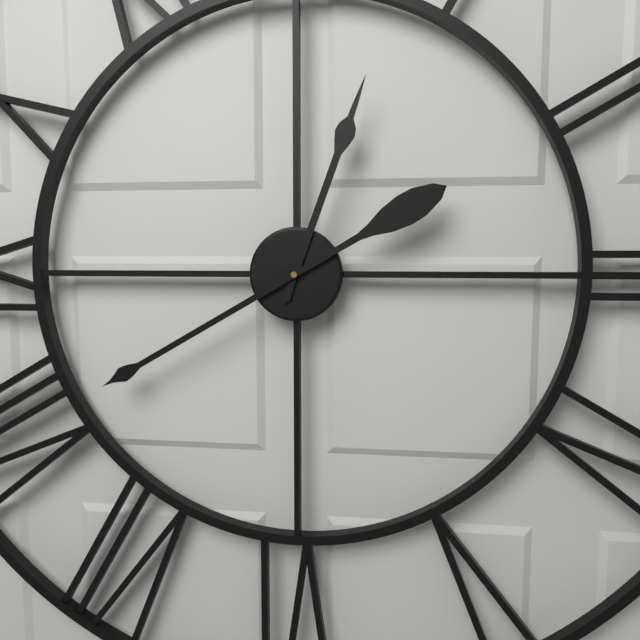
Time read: 12:40
